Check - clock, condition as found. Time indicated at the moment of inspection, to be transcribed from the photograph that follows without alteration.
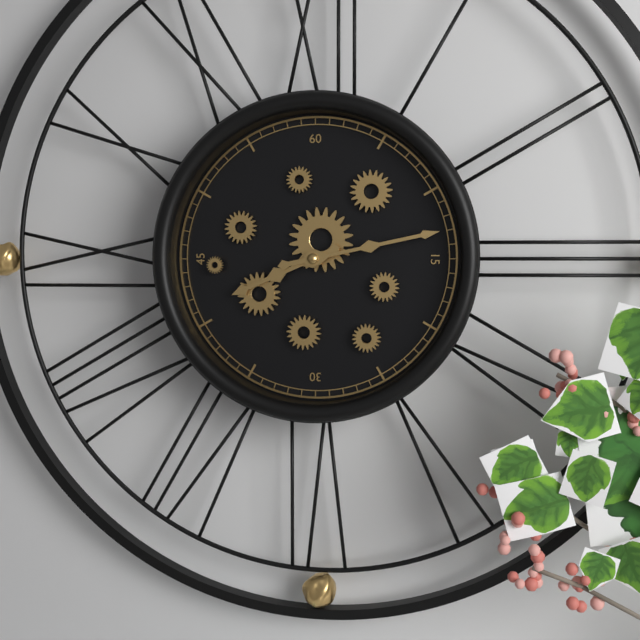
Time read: 8:13
